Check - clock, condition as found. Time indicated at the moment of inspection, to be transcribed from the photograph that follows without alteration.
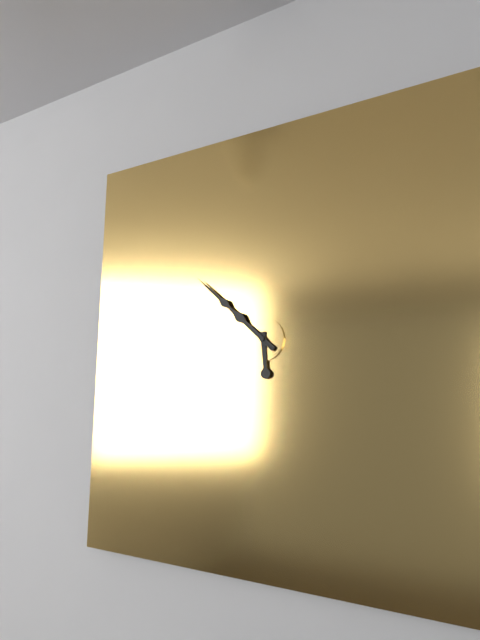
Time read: 5:52
